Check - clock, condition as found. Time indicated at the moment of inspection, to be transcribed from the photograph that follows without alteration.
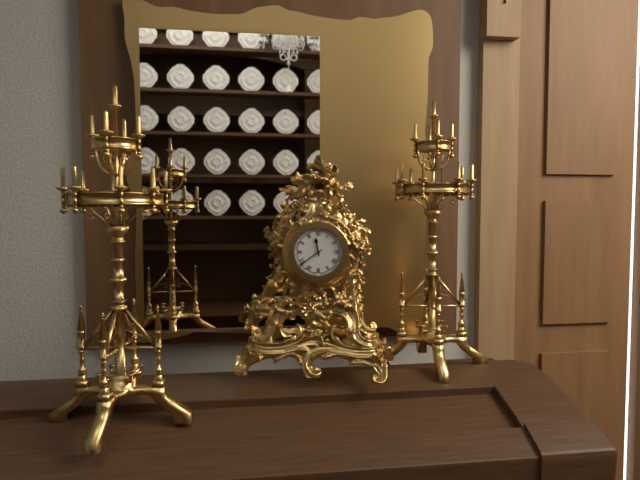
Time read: 11:39
